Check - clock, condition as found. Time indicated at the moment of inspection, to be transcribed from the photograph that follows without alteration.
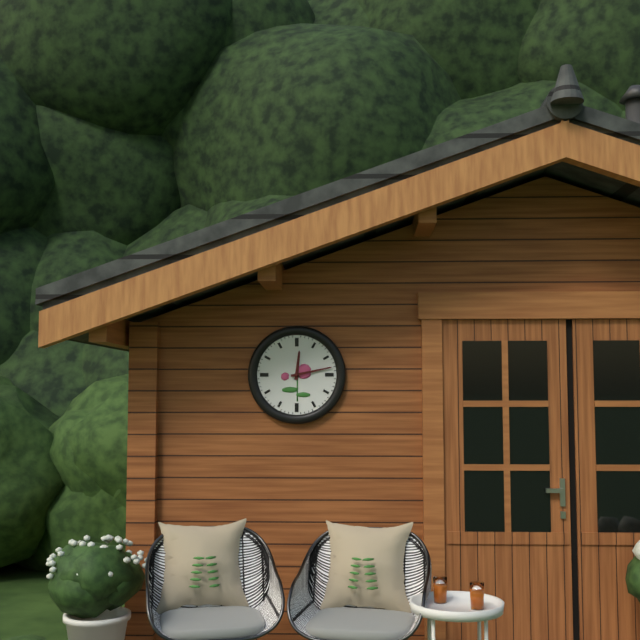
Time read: 12:13
